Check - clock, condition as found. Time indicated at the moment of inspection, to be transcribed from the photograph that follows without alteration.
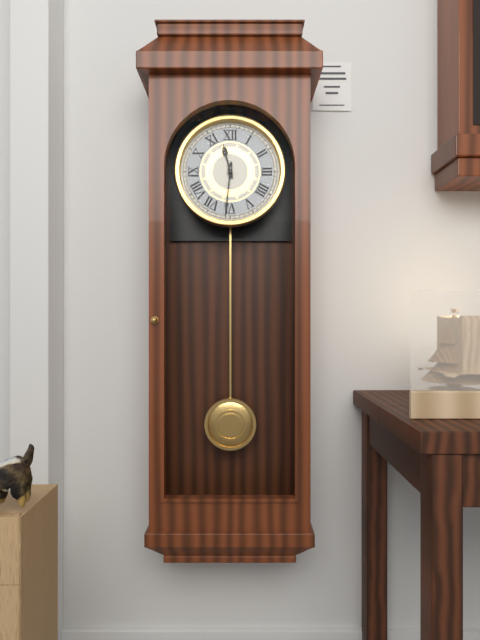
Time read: 11:31
